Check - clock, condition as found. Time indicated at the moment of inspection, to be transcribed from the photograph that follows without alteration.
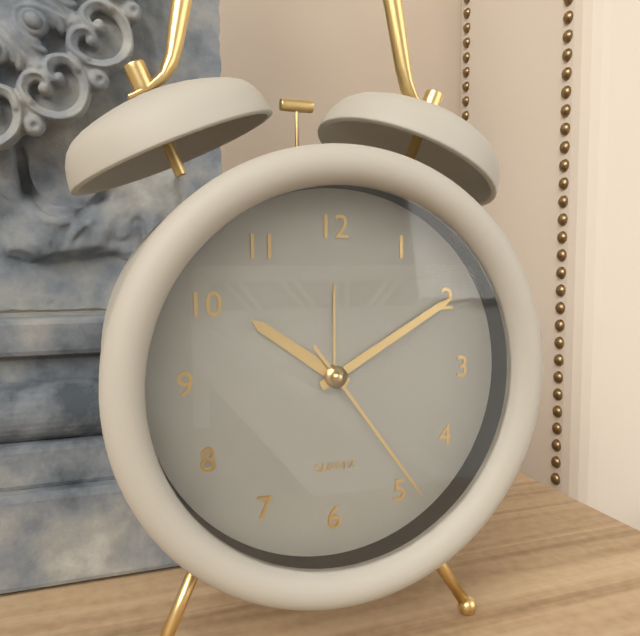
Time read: 10:10:24
